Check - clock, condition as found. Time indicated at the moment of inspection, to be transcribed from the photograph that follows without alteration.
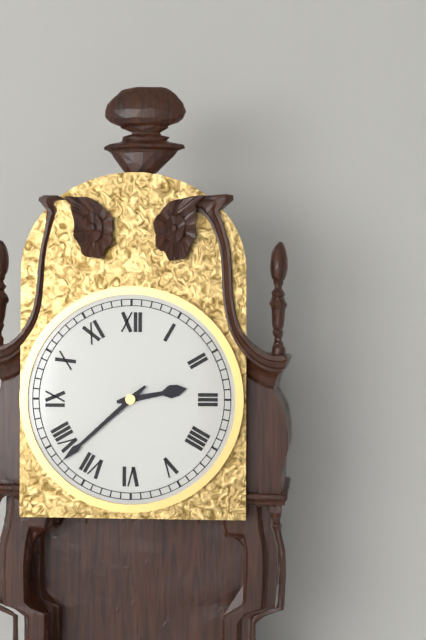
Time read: 2:38
